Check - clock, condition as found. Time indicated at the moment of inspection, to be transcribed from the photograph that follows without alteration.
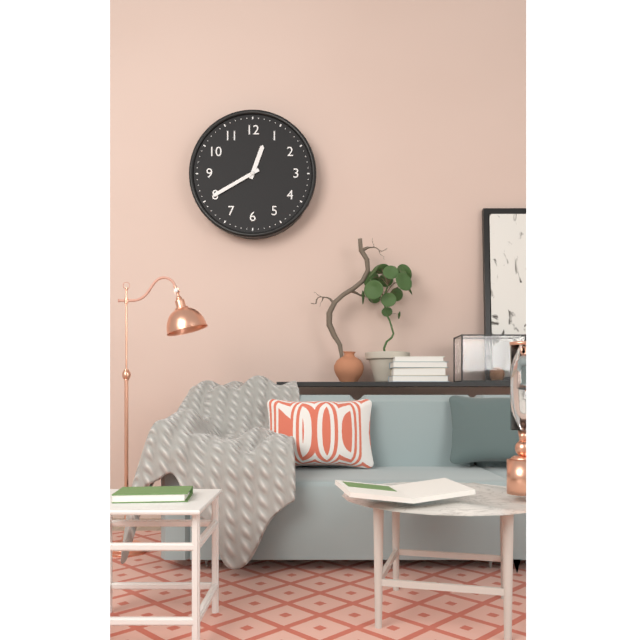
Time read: 12:40
